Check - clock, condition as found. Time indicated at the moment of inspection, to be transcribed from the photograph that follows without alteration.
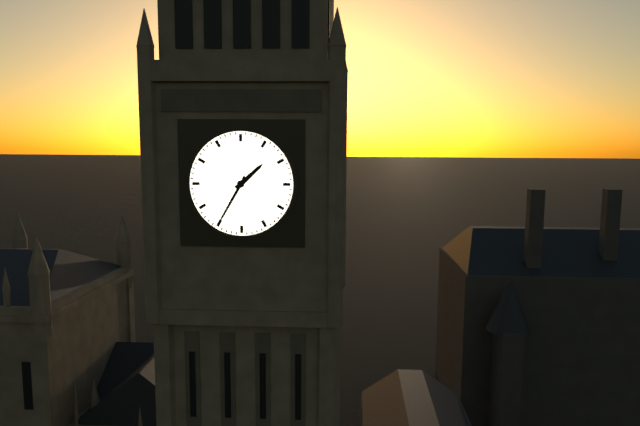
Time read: 1:35
